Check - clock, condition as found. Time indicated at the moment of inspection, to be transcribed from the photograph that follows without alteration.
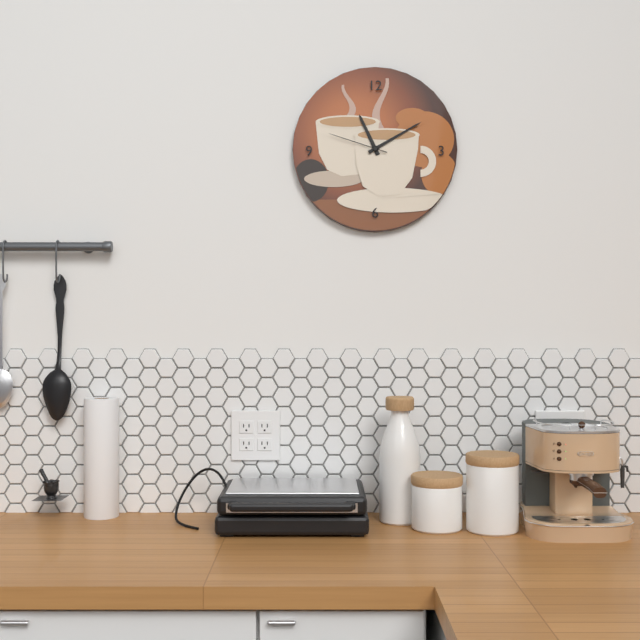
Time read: 11:10:48
